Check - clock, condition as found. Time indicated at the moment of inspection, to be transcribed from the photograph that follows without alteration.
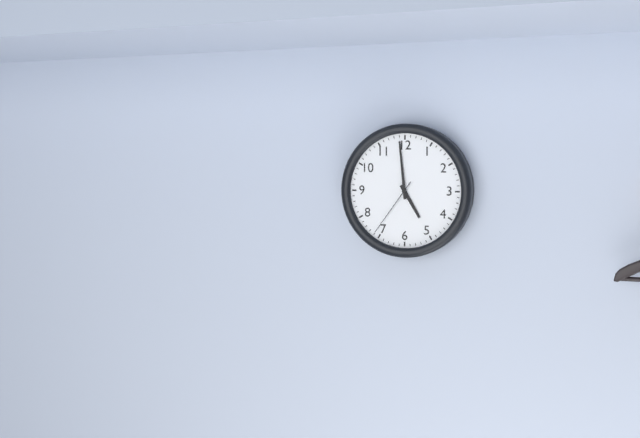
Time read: 4:59:36
